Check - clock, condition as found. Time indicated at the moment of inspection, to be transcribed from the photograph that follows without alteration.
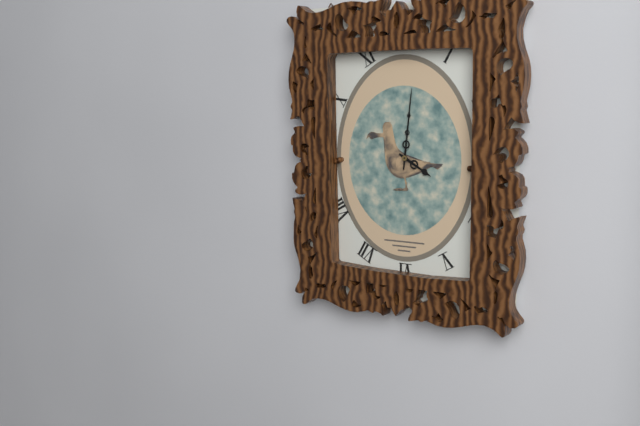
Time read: 4:01
